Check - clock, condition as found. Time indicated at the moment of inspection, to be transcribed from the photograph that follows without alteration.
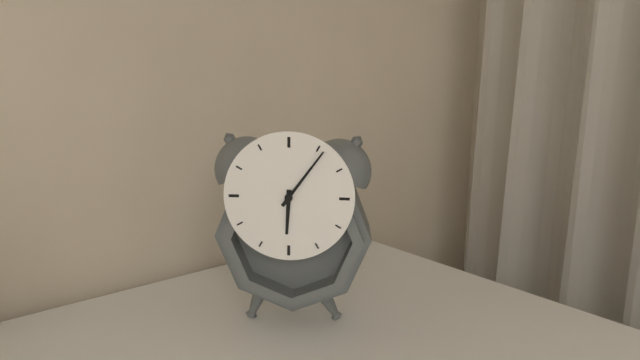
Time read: 6:06
